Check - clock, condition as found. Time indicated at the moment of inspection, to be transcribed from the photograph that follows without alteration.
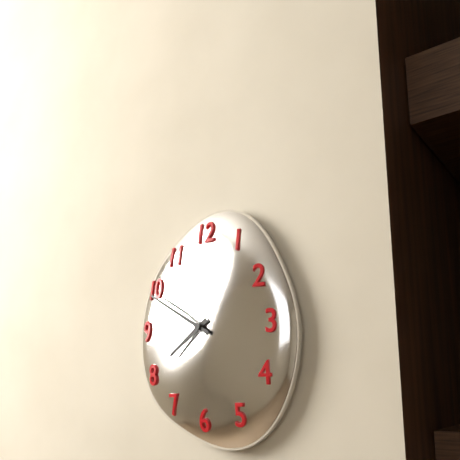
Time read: 7:50
